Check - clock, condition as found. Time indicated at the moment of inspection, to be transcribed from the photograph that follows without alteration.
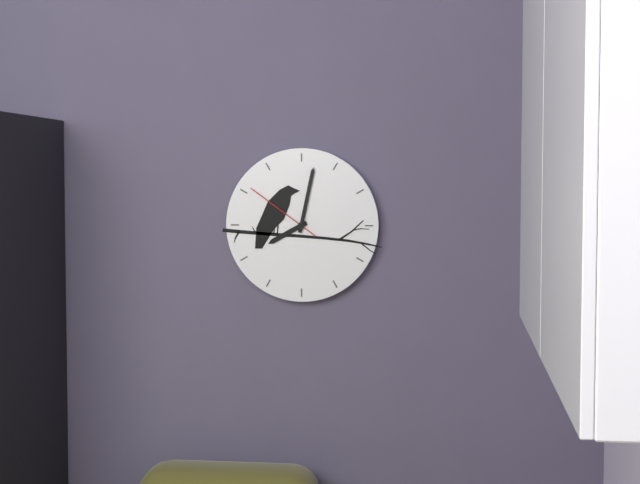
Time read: 8:02:51
